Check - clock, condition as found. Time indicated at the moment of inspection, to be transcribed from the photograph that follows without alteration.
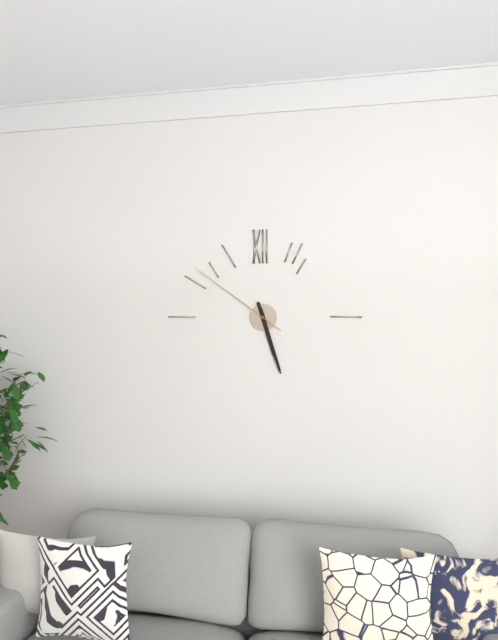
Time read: 5:27:51
